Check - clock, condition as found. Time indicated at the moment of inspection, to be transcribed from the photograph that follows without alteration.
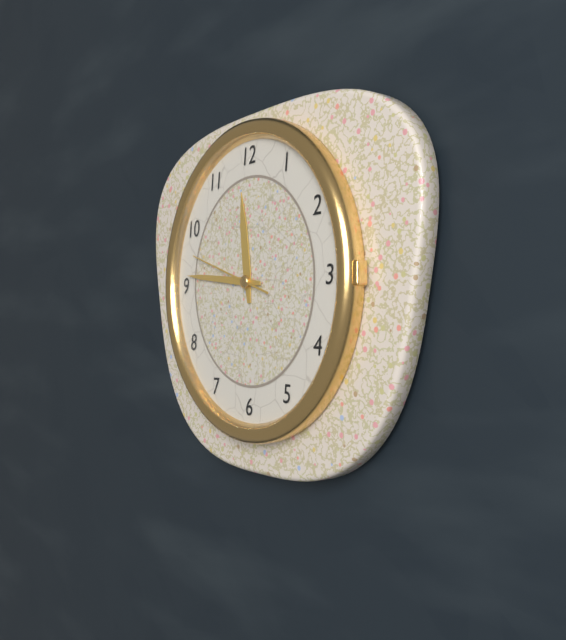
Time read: 11:46:48
